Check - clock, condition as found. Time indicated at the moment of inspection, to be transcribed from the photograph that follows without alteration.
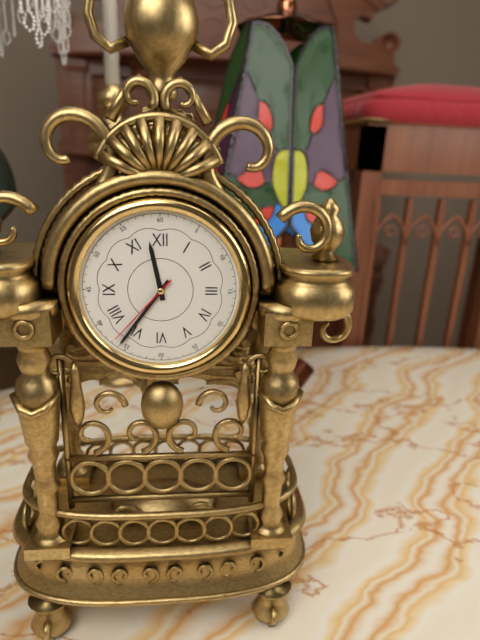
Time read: 11:36:37
